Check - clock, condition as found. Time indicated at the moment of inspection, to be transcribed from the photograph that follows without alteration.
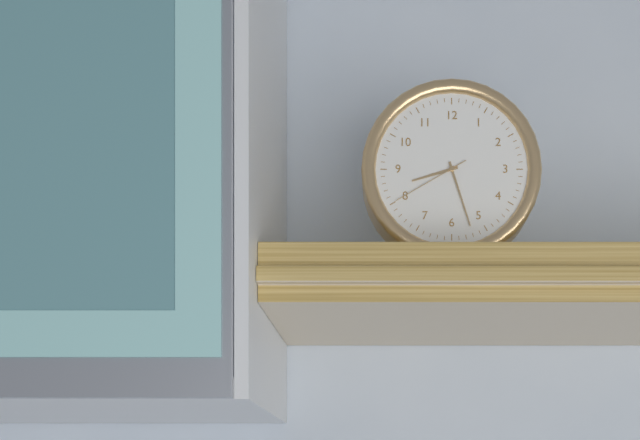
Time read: 8:27:40
